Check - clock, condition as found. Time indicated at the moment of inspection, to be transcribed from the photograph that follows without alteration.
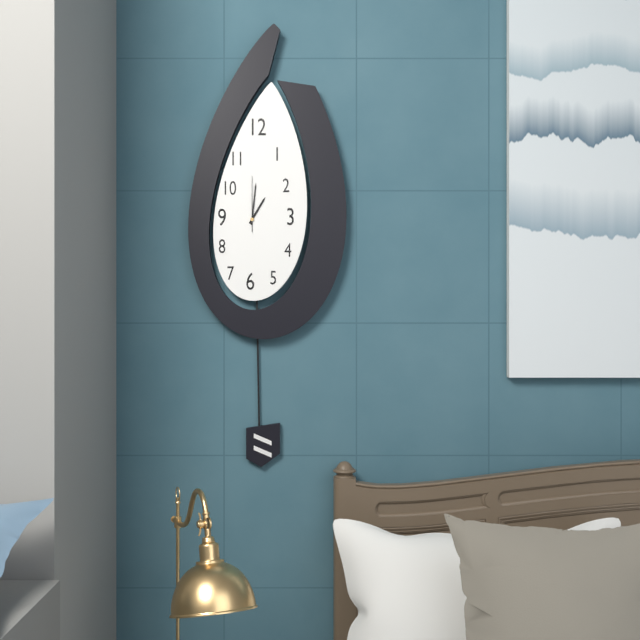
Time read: 1:01:00
